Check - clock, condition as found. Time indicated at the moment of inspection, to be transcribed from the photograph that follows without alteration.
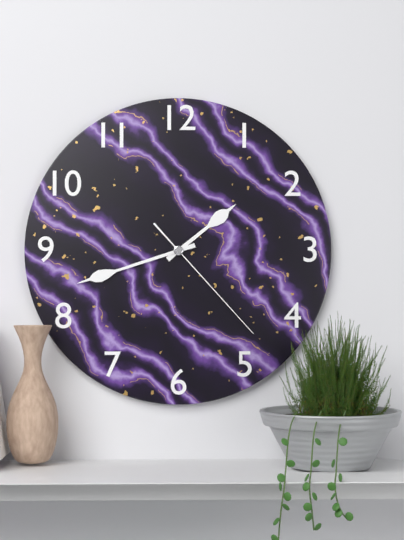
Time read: 1:42:23
